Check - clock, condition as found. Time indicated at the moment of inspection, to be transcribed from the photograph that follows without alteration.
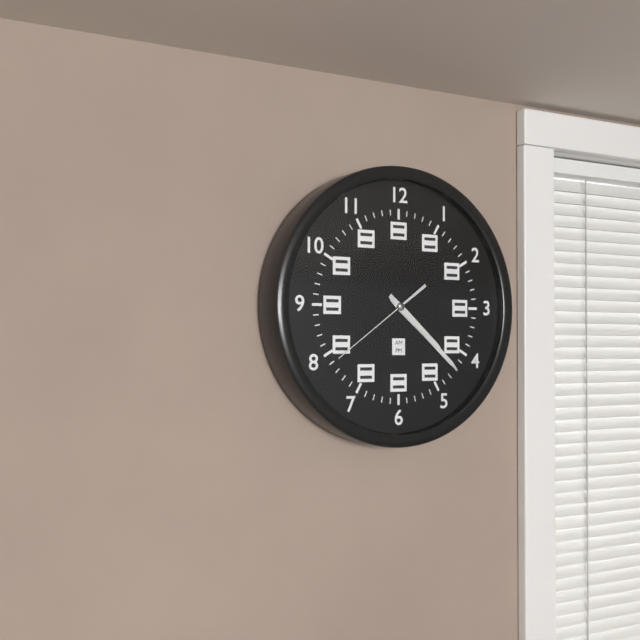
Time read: 4:22:39
